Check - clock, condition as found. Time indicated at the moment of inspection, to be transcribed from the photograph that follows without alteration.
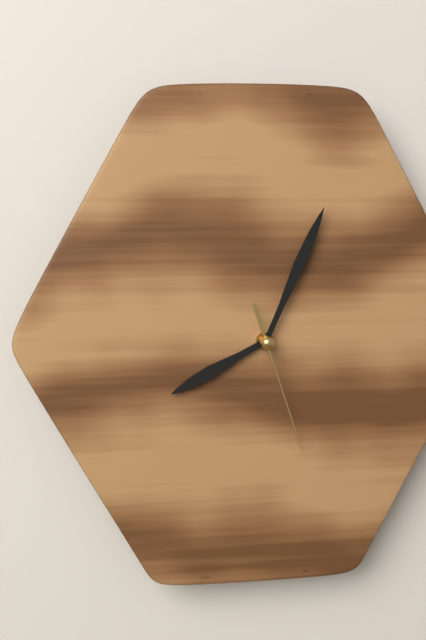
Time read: 8:04:27
